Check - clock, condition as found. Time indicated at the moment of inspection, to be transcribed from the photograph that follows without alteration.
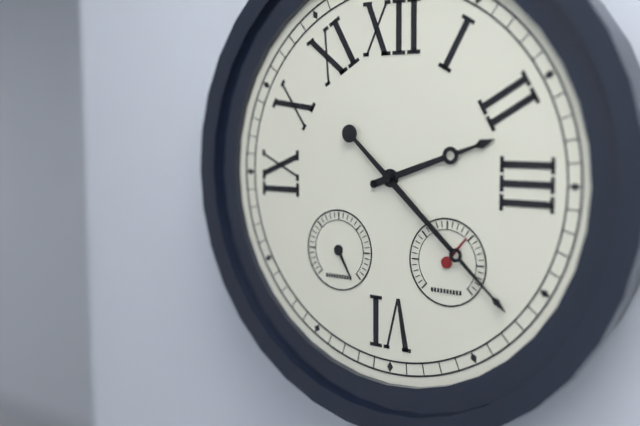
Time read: 2:22
